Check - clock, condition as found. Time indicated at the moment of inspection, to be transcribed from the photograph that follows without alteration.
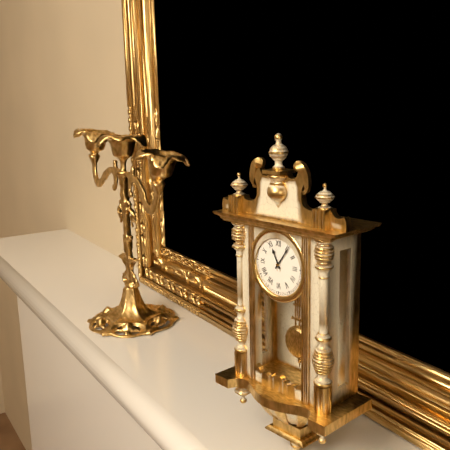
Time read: 11:06
